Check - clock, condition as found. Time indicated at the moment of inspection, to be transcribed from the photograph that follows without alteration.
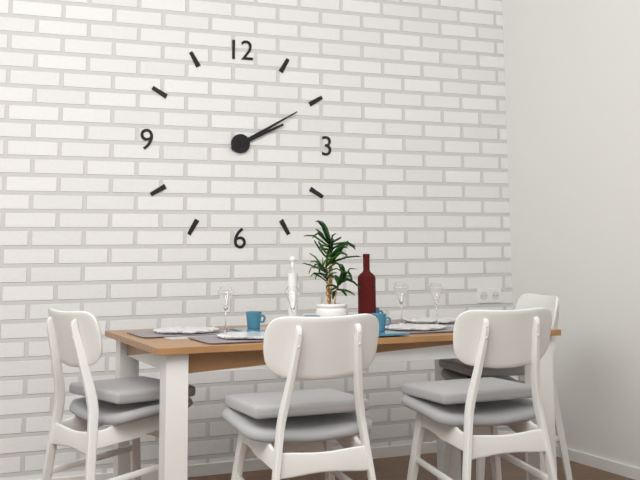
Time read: 2:10
